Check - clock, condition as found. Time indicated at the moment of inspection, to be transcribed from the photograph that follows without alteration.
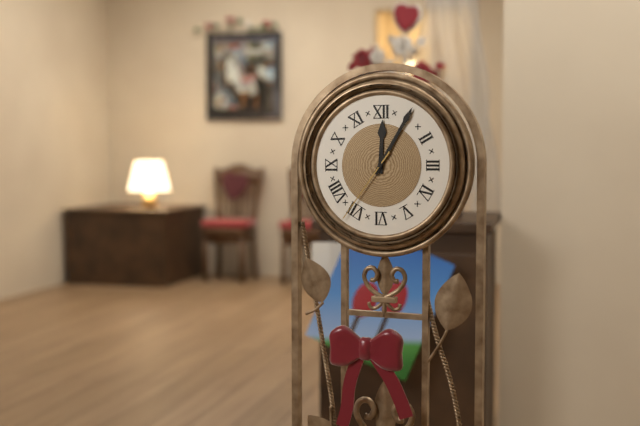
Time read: 12:05:36
